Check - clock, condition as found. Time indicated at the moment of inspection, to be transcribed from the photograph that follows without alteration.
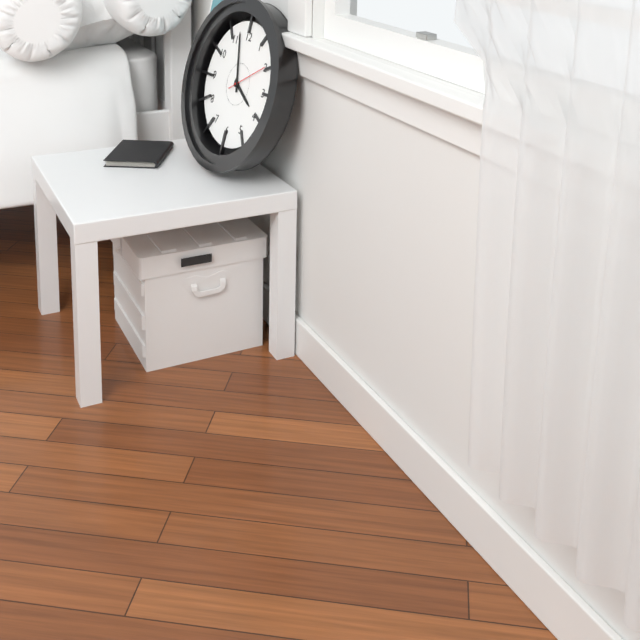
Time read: 3:57
